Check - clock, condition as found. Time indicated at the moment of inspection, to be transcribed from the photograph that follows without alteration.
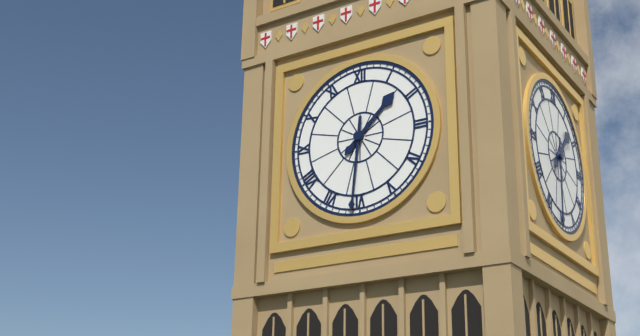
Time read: 1:31
